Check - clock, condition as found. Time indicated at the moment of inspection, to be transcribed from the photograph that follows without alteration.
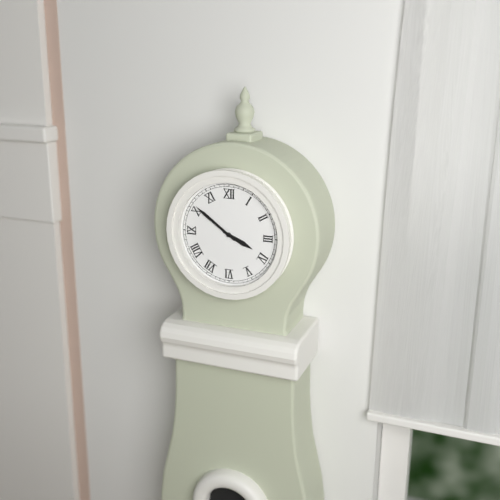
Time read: 3:51
